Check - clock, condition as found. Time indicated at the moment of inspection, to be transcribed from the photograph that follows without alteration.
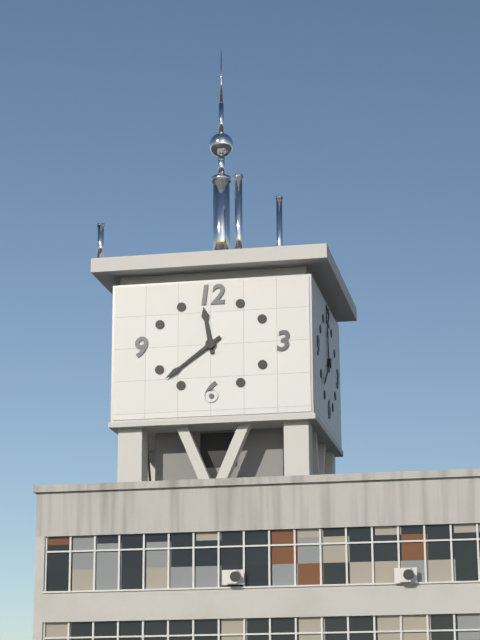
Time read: 11:39
